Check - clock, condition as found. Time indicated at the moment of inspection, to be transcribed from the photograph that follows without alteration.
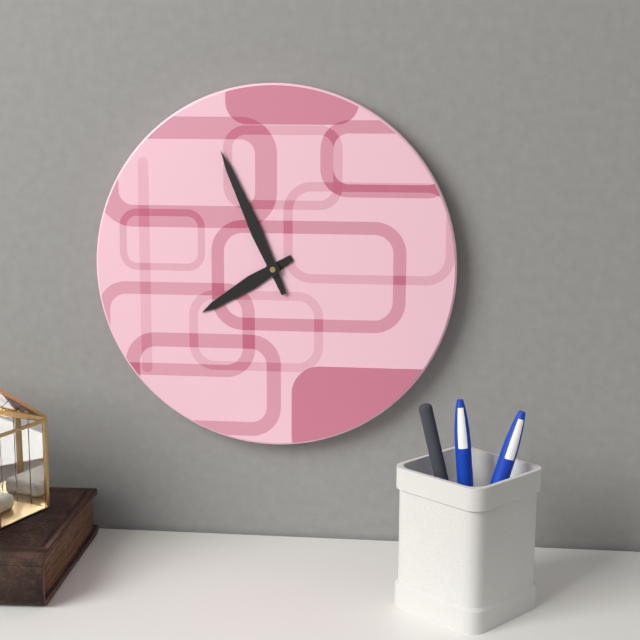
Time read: 7:56
